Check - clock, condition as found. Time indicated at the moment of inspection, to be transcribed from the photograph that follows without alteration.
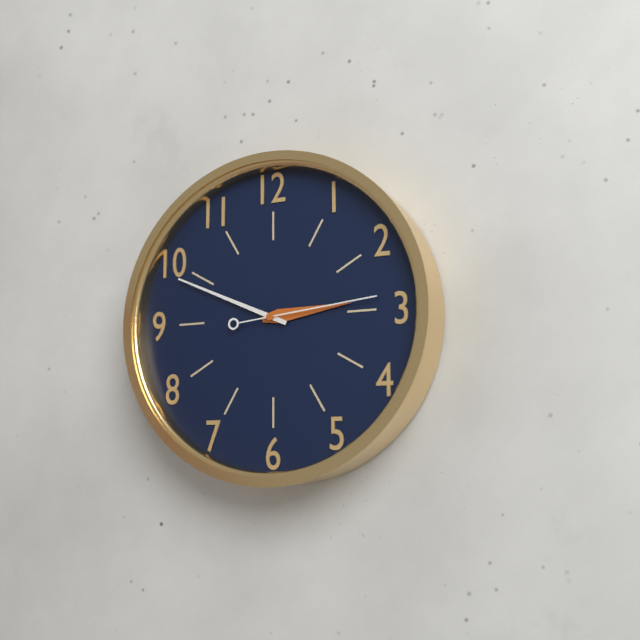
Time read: 2:49:14
